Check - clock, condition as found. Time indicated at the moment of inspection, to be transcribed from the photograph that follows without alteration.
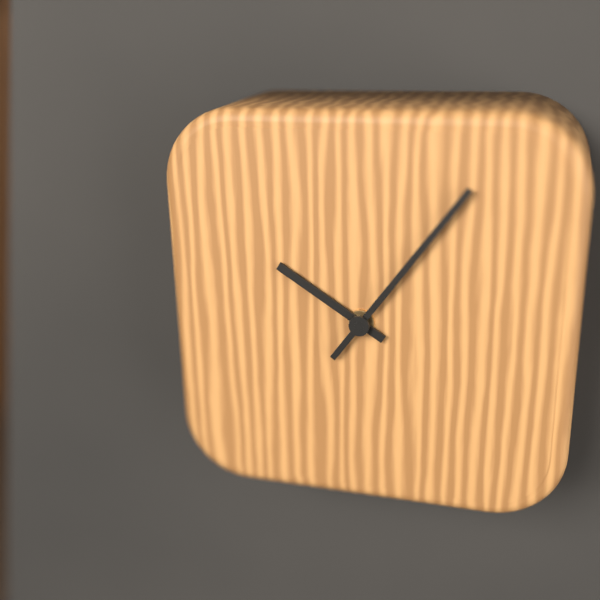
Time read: 10:06
